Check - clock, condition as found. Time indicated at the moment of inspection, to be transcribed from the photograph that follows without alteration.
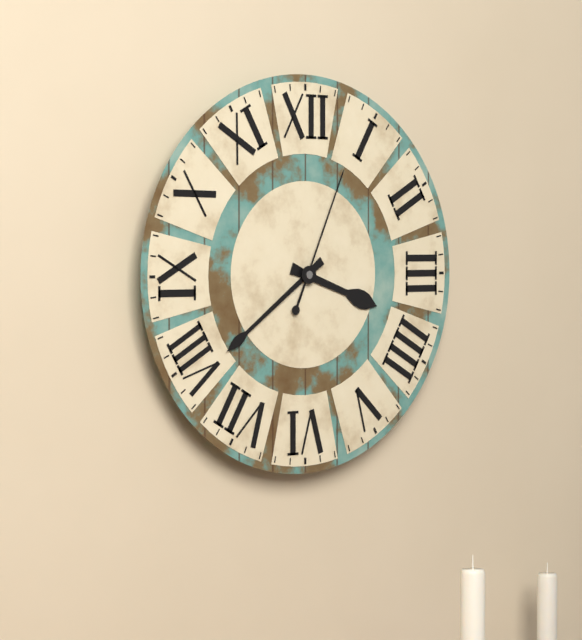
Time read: 3:39:04
